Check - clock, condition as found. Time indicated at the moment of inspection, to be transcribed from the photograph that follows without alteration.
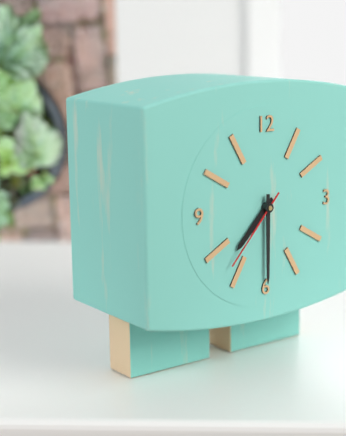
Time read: 7:30:37
